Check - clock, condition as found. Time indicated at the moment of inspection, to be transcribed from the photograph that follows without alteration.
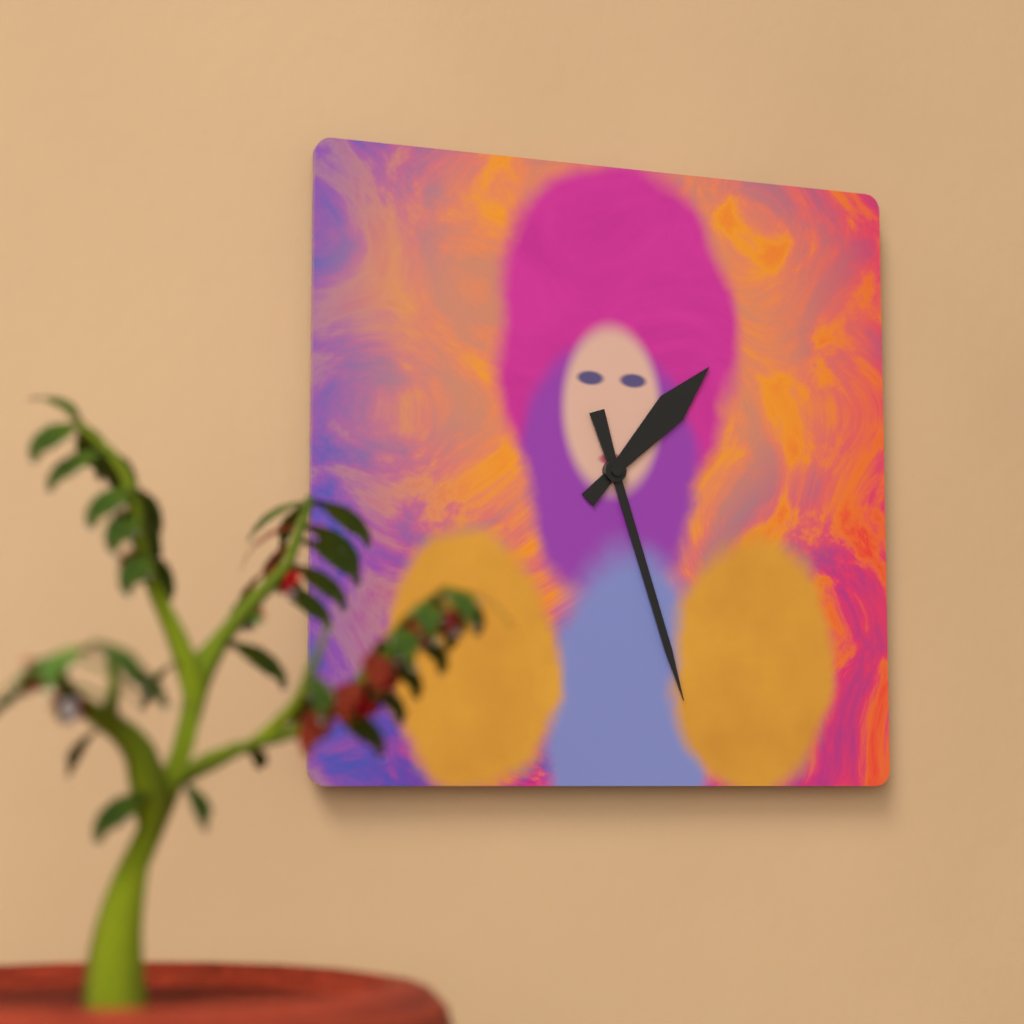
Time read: 1:27
